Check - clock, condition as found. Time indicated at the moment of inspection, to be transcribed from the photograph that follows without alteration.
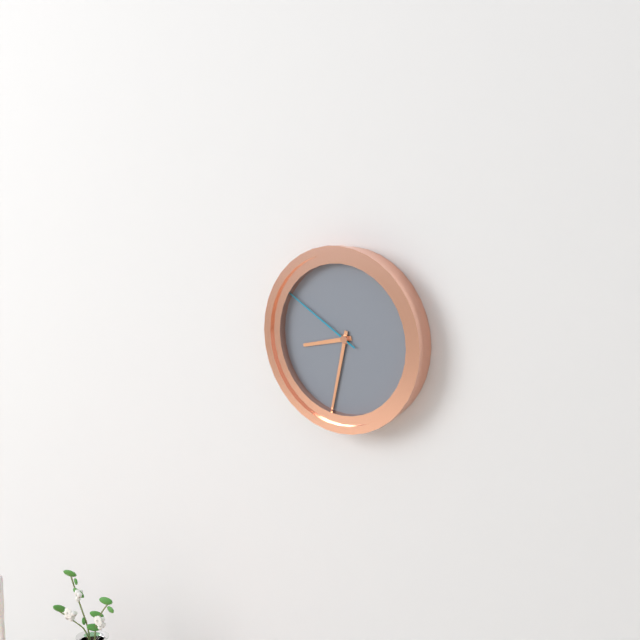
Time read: 8:32:50
